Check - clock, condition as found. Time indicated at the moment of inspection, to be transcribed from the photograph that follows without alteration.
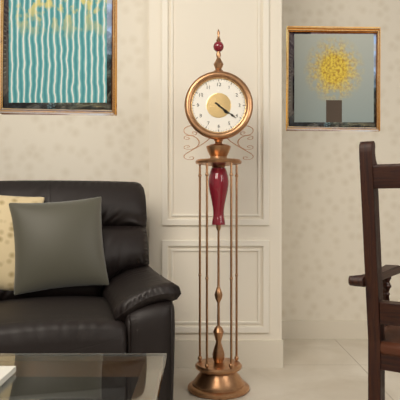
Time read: 4:21
